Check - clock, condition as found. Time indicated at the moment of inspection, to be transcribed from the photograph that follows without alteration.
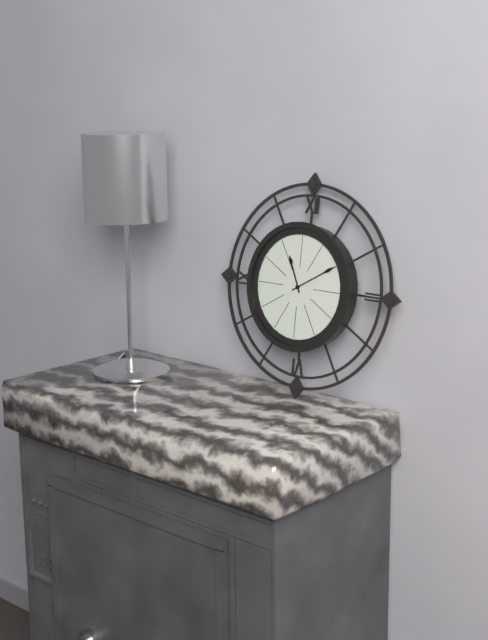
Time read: 11:10
